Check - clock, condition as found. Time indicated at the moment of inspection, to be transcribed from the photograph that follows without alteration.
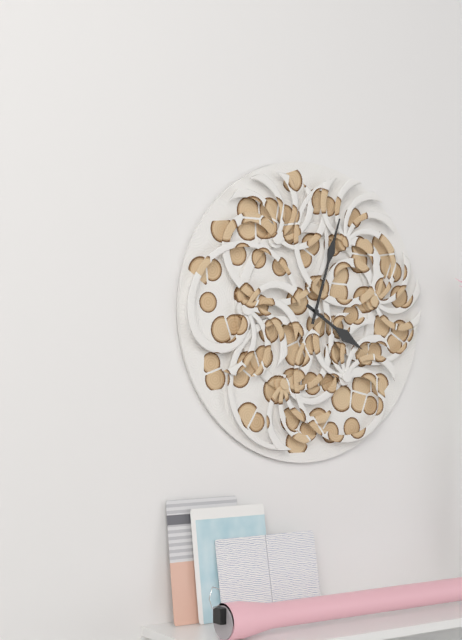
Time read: 4:03
